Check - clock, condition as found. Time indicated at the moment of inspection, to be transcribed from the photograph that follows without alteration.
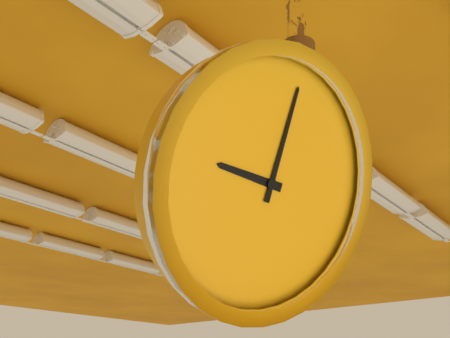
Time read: 9:00
